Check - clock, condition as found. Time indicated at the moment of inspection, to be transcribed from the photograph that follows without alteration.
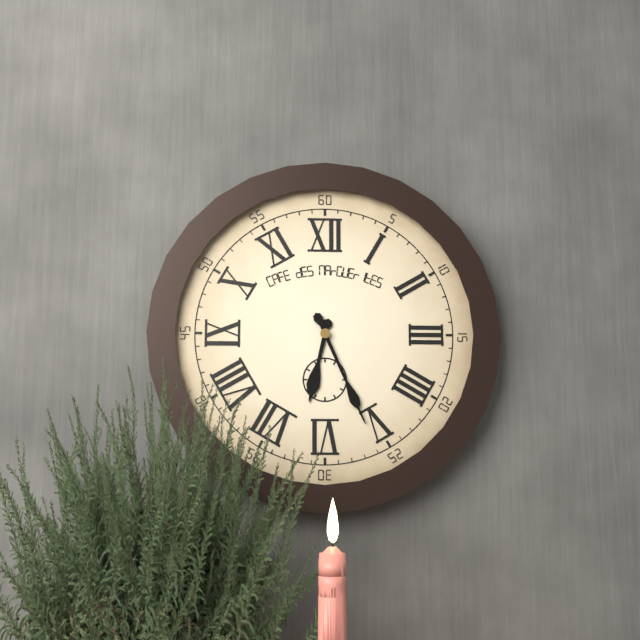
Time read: 6:26
